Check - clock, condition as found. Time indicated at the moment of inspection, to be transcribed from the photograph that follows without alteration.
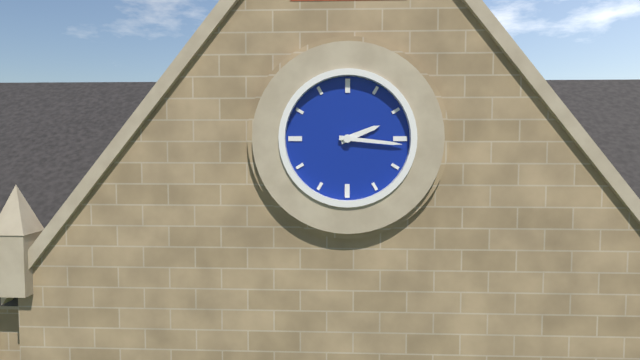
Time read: 2:16
